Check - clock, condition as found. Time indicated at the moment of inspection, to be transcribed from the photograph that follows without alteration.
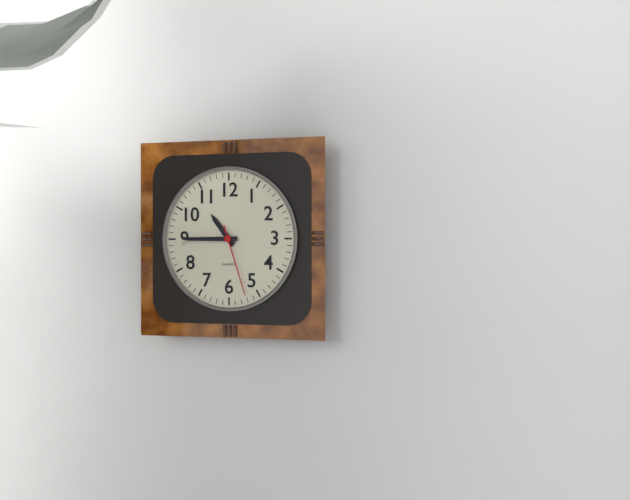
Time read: 10:45:27
